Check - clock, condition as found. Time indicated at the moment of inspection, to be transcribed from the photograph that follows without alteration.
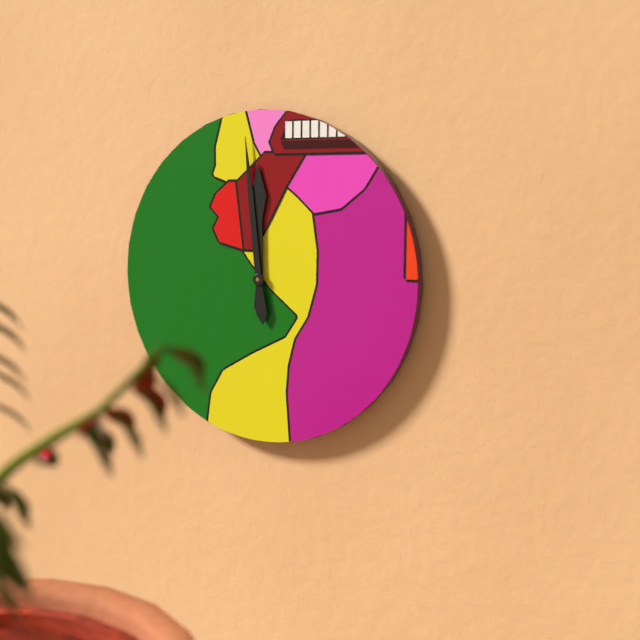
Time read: 11:59
